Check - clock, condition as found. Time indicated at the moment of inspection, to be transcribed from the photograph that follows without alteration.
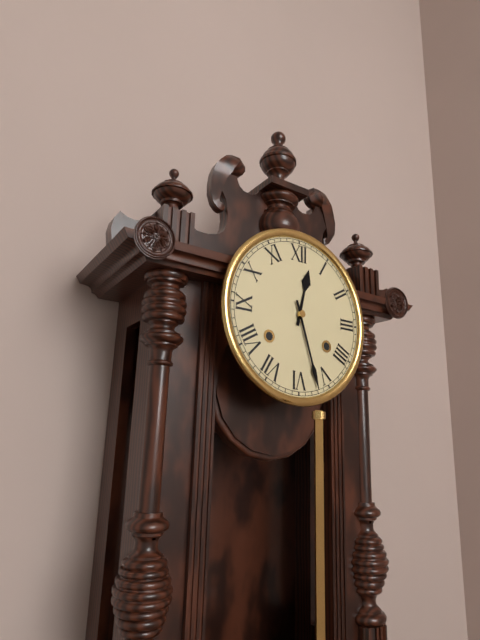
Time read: 12:27
